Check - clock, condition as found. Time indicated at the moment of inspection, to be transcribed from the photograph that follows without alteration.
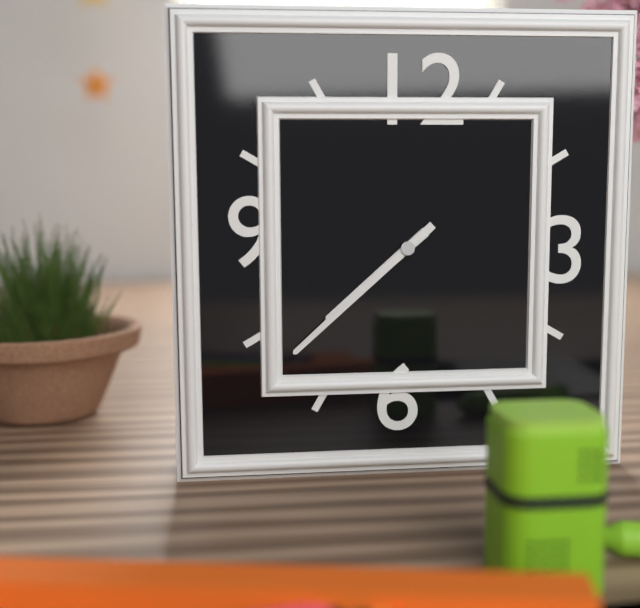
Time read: 7:38
